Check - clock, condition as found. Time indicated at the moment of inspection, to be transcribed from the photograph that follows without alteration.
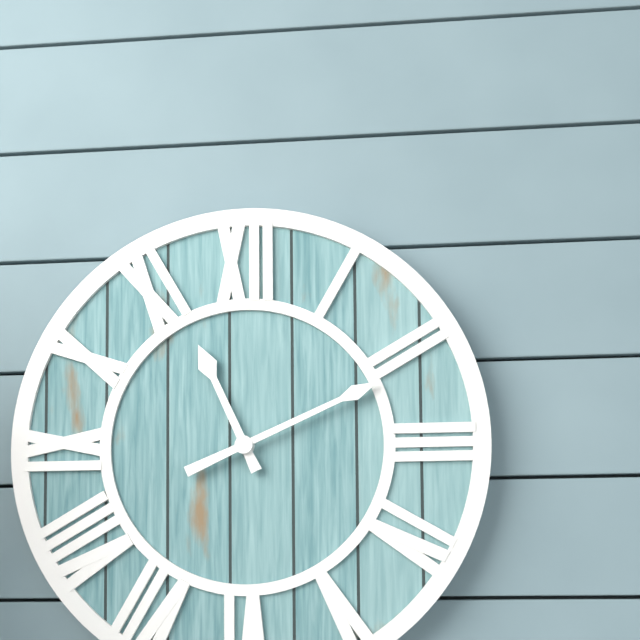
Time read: 11:11
